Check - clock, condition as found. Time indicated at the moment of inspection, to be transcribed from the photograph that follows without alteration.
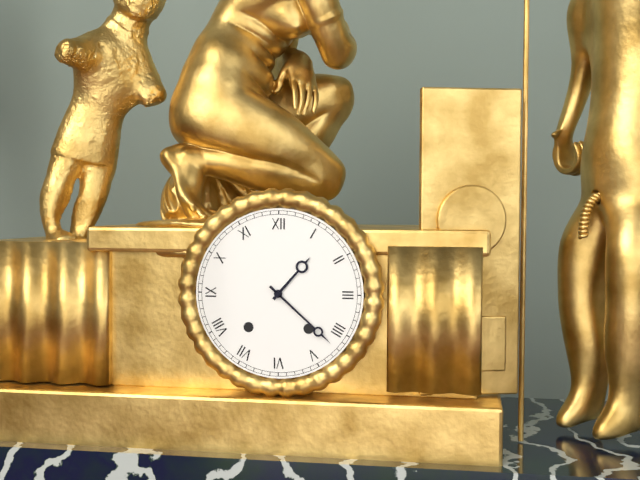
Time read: 1:22
